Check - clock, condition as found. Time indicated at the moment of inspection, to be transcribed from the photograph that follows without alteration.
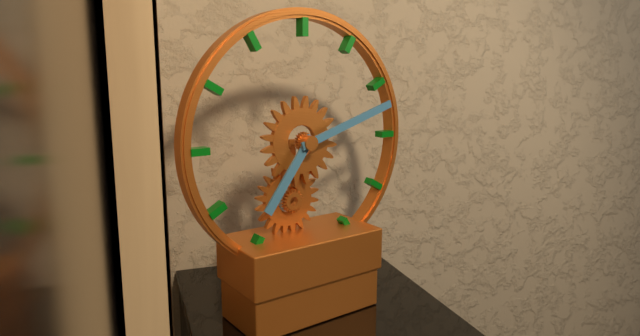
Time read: 7:12
